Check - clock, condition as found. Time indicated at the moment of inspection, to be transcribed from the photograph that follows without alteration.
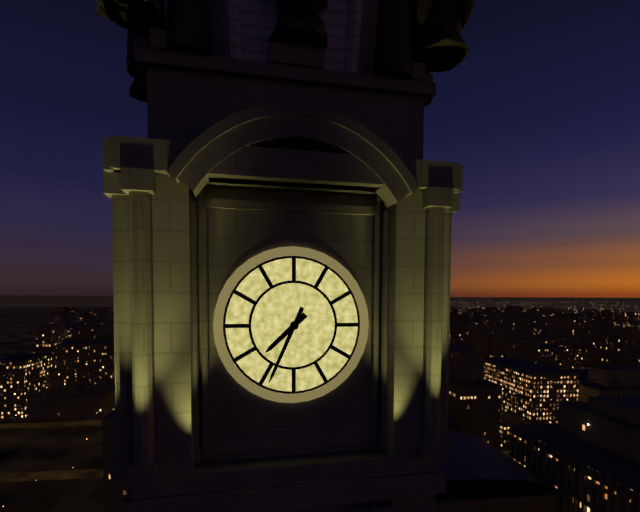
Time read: 7:34
